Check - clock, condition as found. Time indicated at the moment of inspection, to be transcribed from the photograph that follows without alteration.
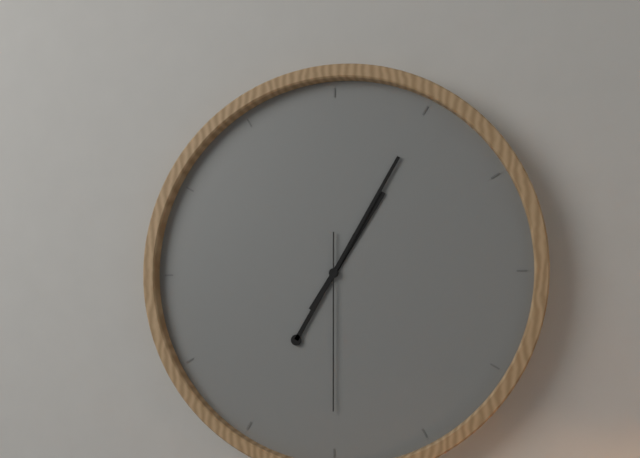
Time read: 1:05:30
